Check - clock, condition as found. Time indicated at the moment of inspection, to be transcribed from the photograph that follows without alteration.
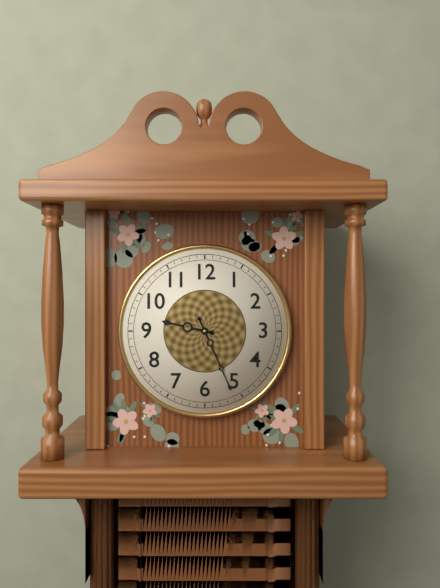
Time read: 9:26
